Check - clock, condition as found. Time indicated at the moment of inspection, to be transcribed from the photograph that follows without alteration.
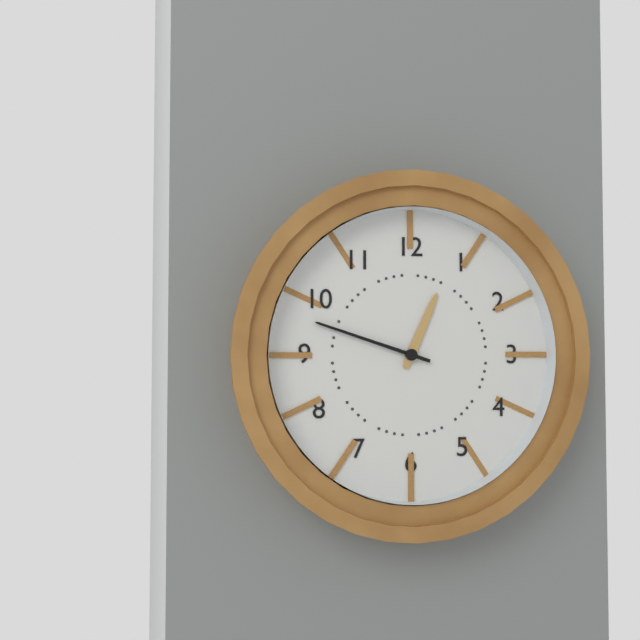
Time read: 12:48
